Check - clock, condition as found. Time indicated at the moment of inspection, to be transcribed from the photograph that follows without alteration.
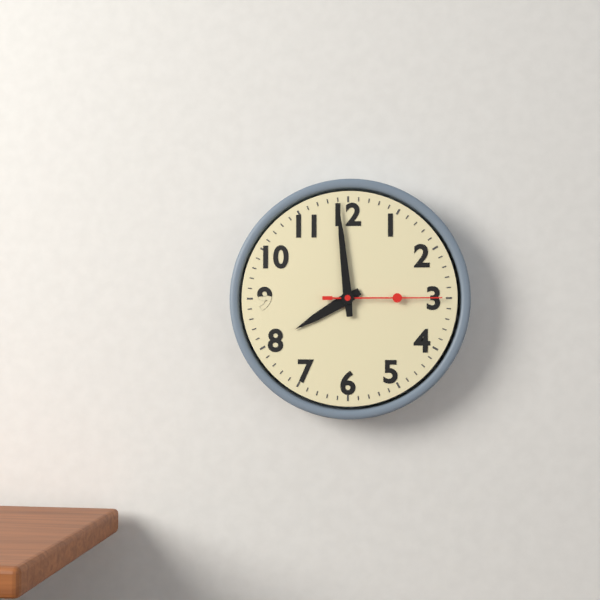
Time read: 7:59:15
